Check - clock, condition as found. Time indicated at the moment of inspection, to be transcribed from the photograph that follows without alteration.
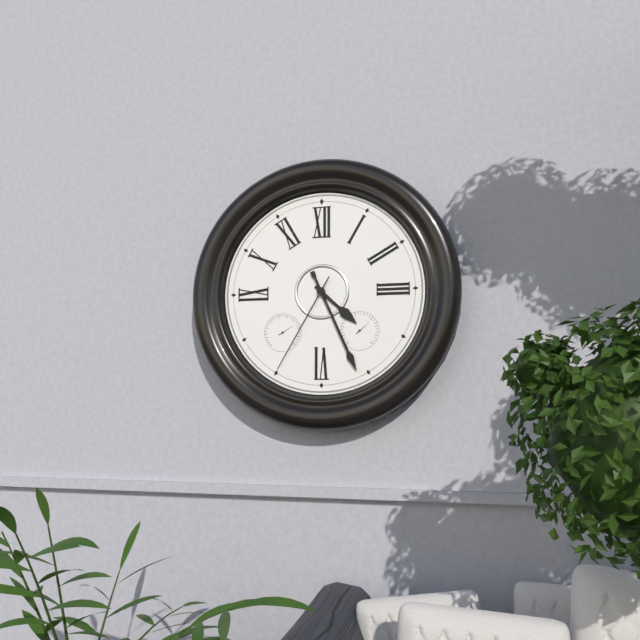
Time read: 4:26:35
